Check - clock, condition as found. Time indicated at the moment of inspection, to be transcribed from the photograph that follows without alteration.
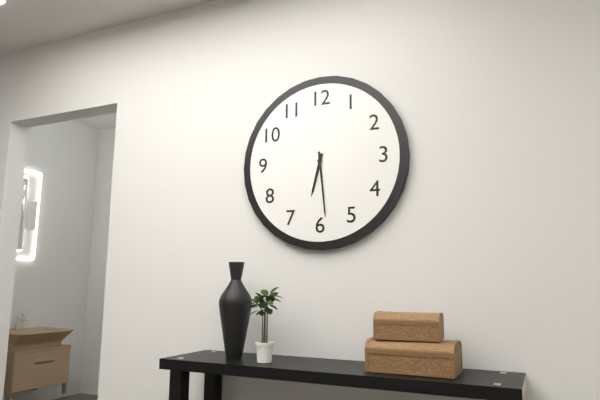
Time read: 6:29
